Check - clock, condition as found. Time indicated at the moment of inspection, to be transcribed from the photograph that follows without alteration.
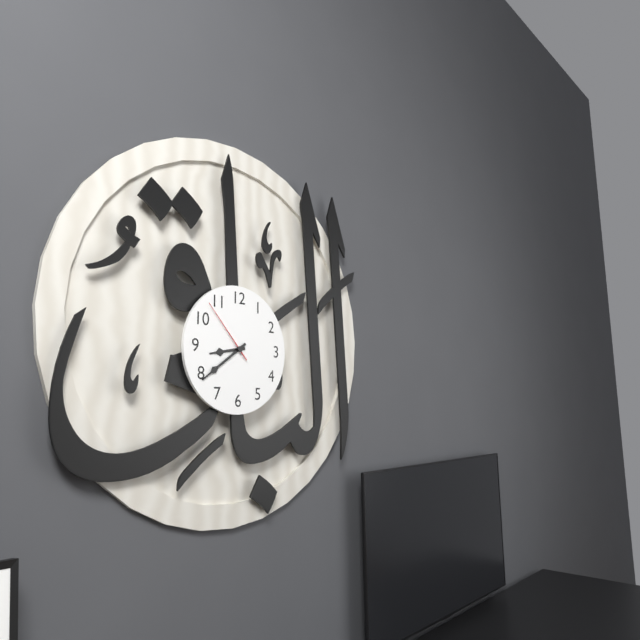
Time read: 8:39:53
